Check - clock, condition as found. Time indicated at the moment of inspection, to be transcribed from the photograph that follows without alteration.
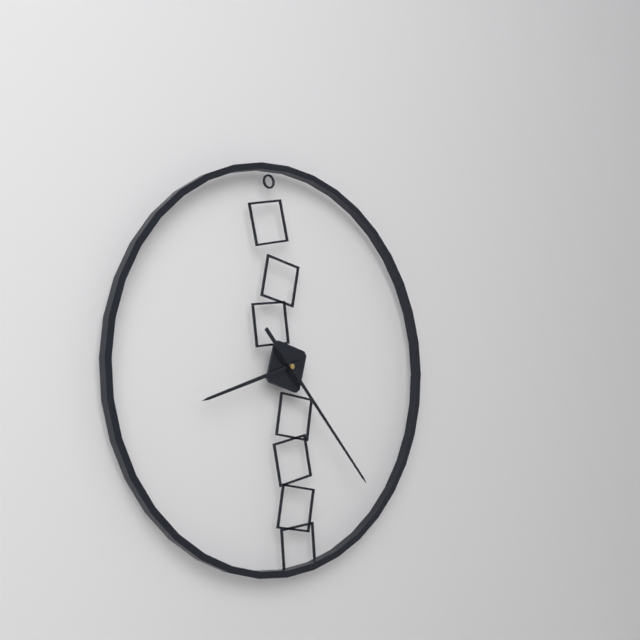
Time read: 8:23
